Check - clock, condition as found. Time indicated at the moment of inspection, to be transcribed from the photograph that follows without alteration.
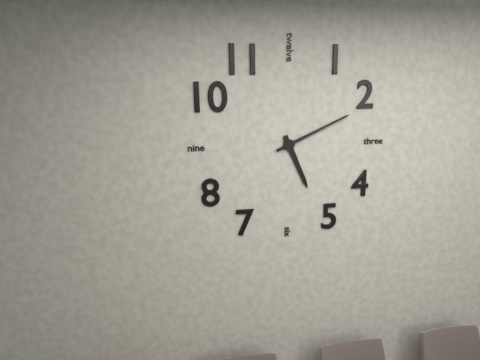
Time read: 5:11
